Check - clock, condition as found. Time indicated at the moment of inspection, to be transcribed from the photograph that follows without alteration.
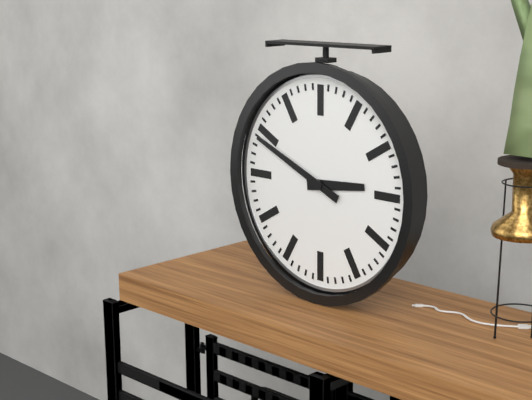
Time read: 2:49
